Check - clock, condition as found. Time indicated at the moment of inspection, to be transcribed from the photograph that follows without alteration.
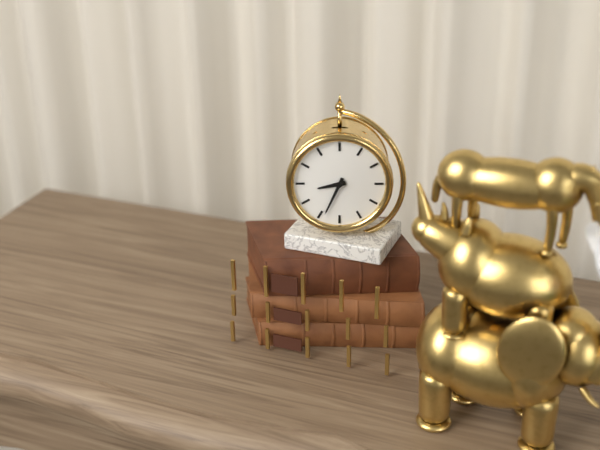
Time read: 8:34
